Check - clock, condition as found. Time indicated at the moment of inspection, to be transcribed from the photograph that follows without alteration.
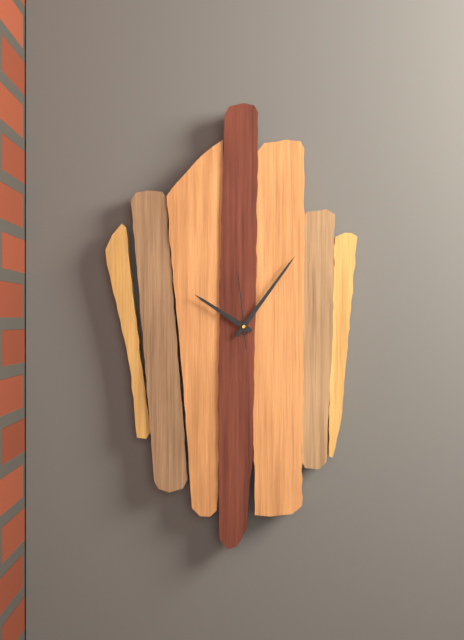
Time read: 10:06:59
